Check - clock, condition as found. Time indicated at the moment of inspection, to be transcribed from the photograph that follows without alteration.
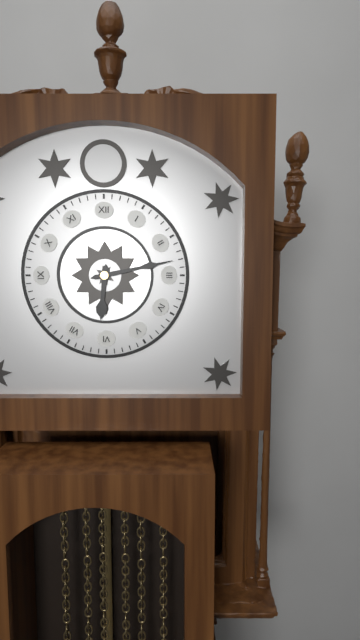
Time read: 6:13
